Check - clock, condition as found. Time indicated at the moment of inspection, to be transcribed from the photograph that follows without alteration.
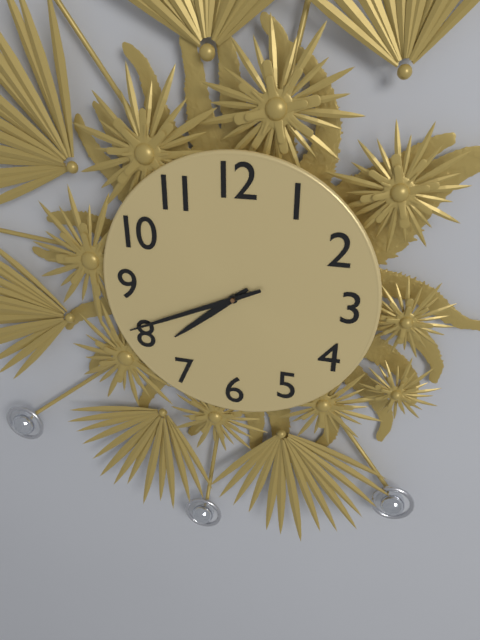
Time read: 7:41
